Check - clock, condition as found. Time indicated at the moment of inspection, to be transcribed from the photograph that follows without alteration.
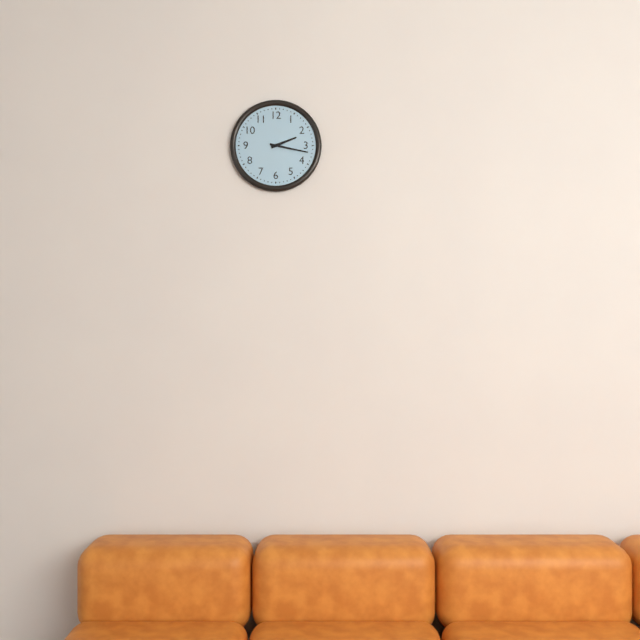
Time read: 2:17
